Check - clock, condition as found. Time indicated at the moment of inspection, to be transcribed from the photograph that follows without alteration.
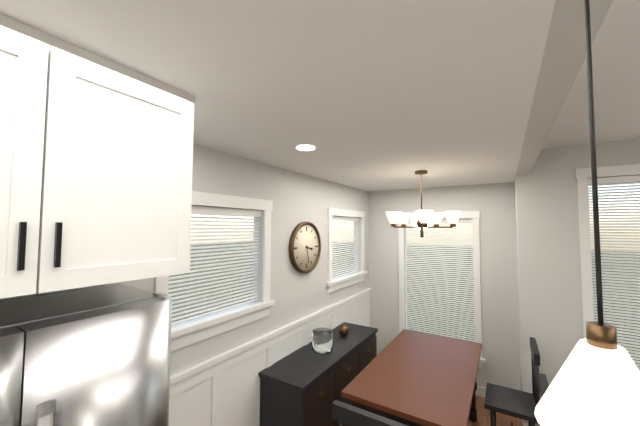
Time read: 3:28
